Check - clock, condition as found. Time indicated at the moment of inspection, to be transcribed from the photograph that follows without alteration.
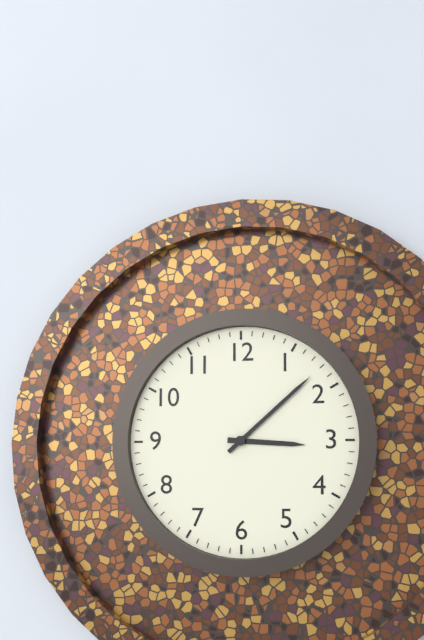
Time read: 3:08
